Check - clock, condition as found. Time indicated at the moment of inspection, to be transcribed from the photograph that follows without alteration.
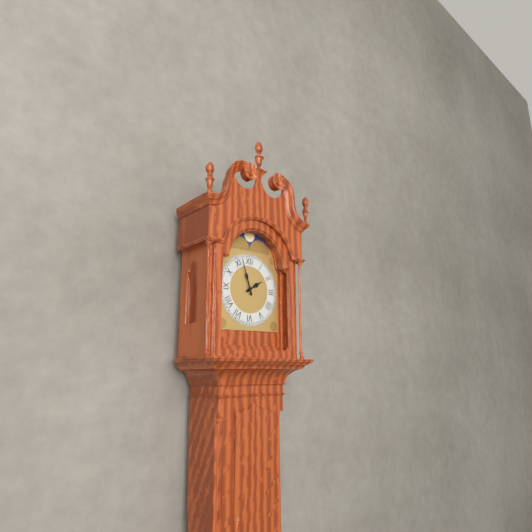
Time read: 1:57
